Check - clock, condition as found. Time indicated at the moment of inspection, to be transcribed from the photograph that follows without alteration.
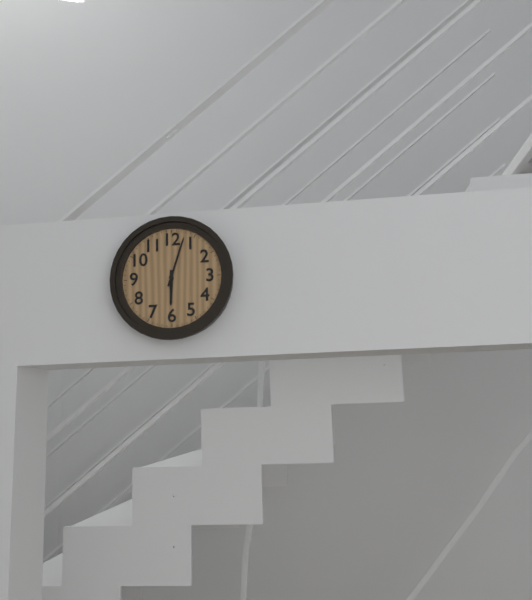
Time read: 6:03
